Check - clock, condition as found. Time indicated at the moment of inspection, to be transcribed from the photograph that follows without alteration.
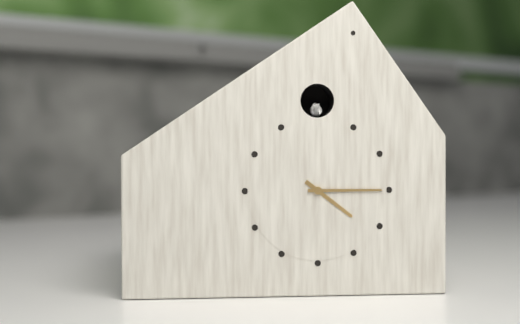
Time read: 4:15
